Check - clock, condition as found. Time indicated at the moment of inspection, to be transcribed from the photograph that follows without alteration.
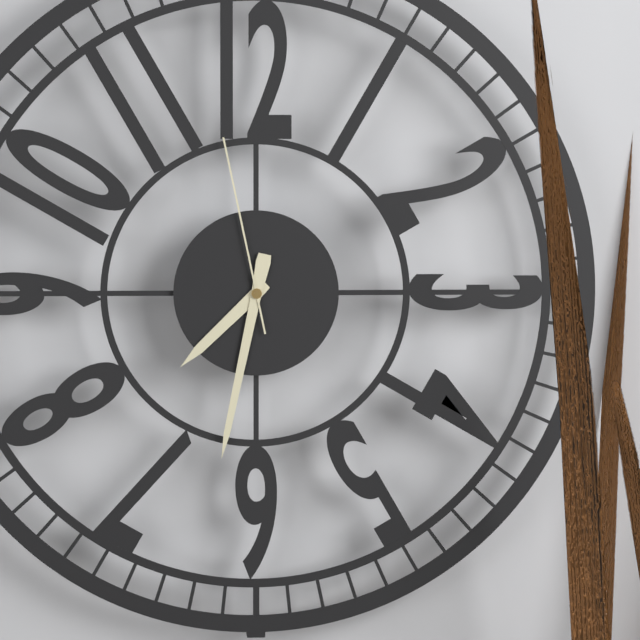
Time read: 7:32:58
